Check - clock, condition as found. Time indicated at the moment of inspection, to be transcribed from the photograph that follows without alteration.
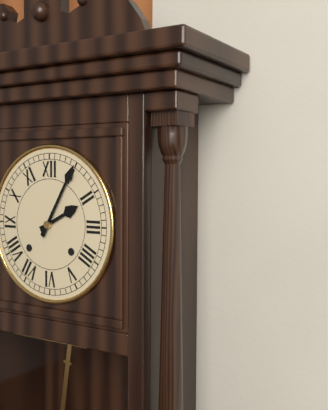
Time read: 2:05
